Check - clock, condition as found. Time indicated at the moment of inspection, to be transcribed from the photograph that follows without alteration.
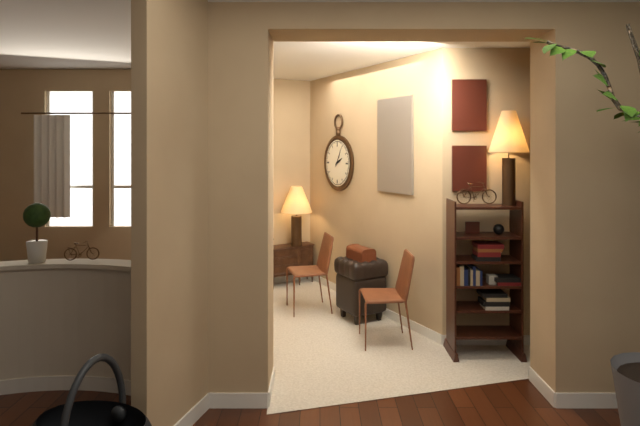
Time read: 2:05
